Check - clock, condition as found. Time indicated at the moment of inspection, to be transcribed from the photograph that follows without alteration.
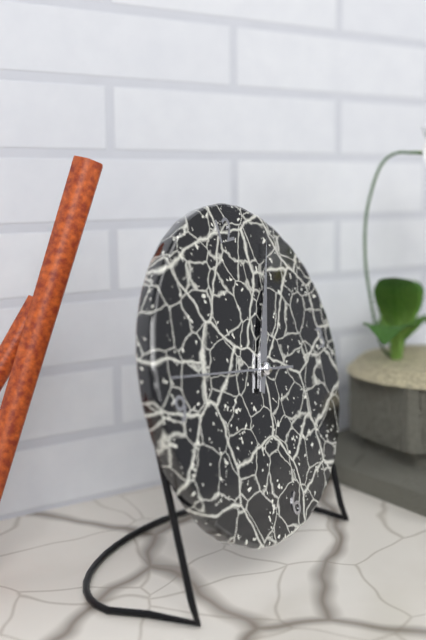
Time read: 1:05:47
